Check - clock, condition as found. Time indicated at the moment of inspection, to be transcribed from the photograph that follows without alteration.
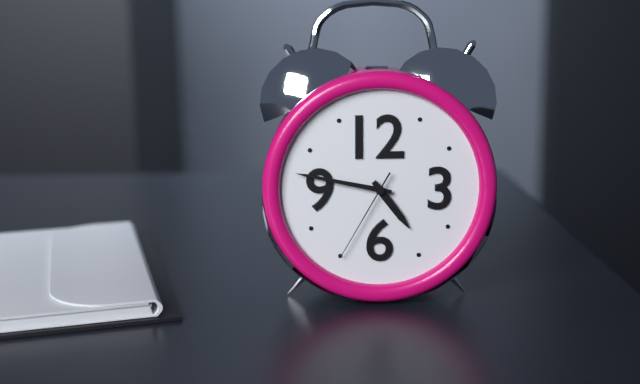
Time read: 4:47:35
